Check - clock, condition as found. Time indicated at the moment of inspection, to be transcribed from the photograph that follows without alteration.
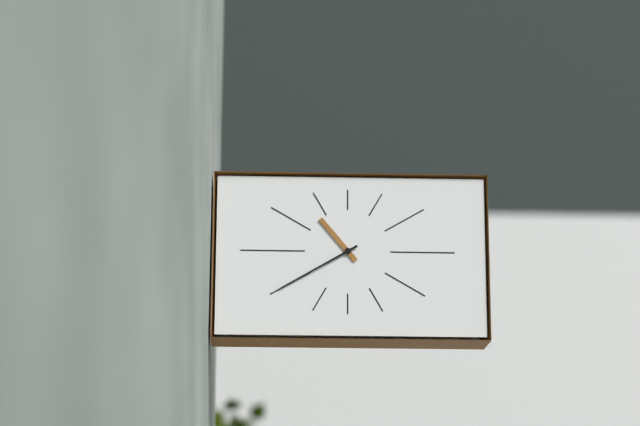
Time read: 10:40
